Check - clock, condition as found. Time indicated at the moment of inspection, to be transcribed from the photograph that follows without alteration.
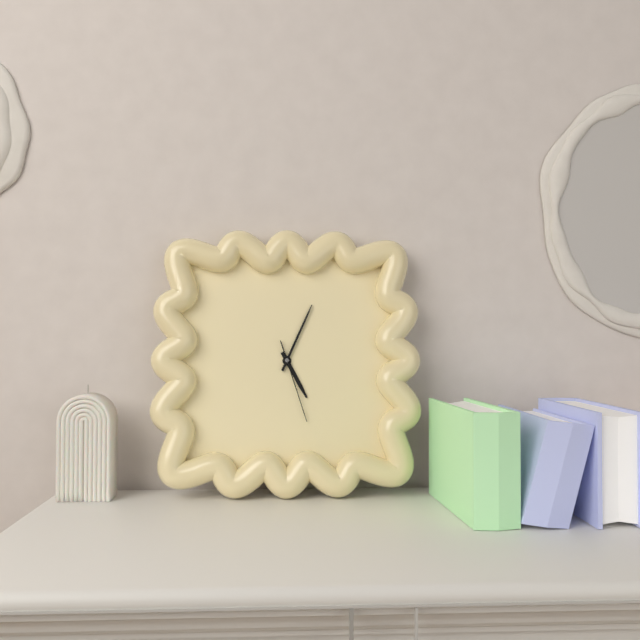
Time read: 5:04:27
